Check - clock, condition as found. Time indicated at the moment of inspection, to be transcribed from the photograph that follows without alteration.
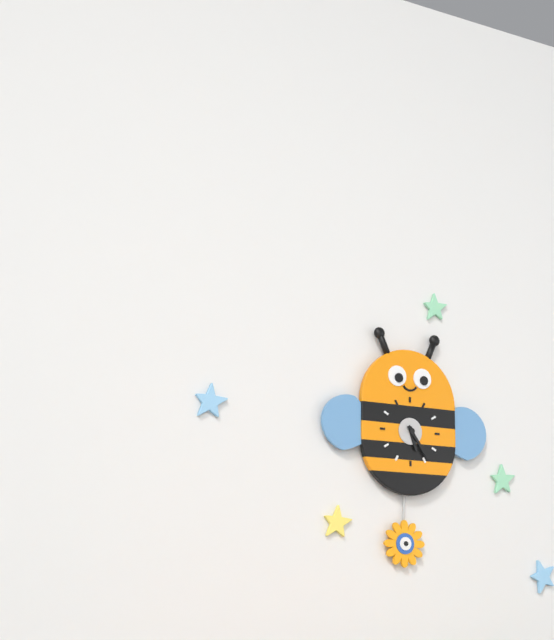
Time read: 5:24
